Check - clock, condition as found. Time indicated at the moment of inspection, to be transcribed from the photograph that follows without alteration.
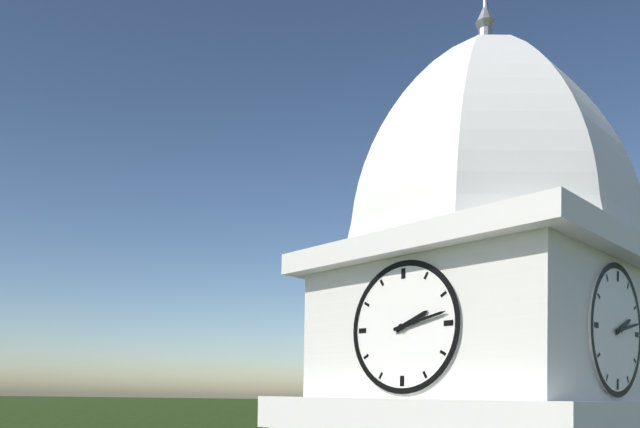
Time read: 2:13
